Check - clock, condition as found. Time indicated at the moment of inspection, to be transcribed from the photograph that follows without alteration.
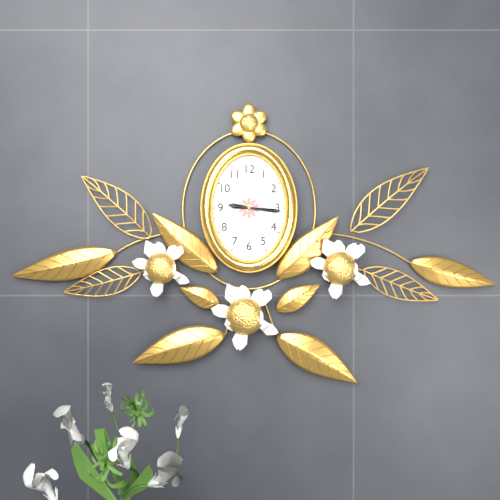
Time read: 9:16
